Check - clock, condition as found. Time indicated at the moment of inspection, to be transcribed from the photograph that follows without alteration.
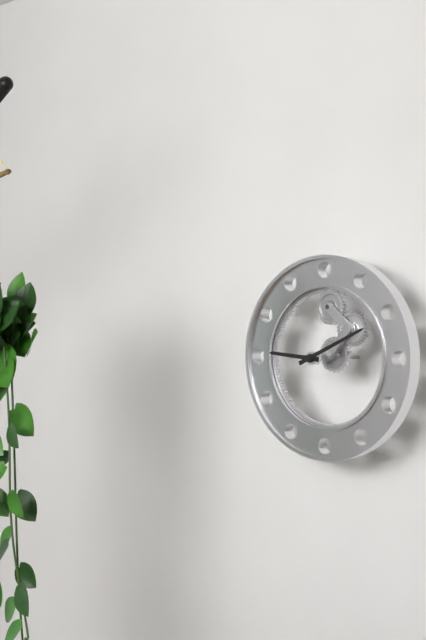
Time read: 9:11
